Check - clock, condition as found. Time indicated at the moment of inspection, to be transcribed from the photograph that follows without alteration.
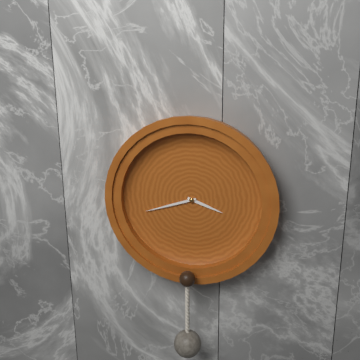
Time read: 3:42
